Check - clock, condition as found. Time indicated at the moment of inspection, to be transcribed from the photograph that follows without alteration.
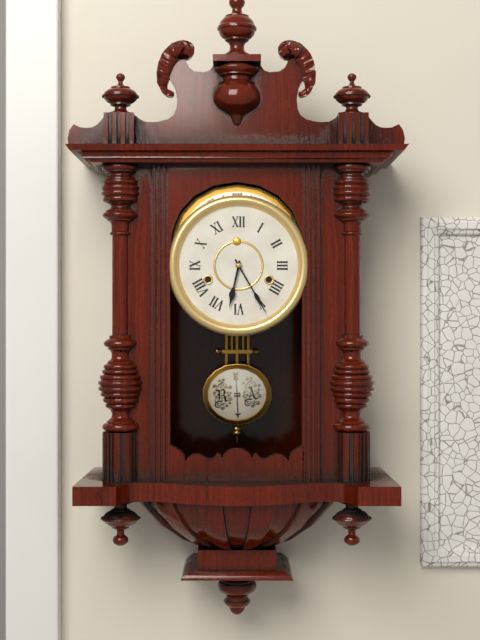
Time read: 6:25
